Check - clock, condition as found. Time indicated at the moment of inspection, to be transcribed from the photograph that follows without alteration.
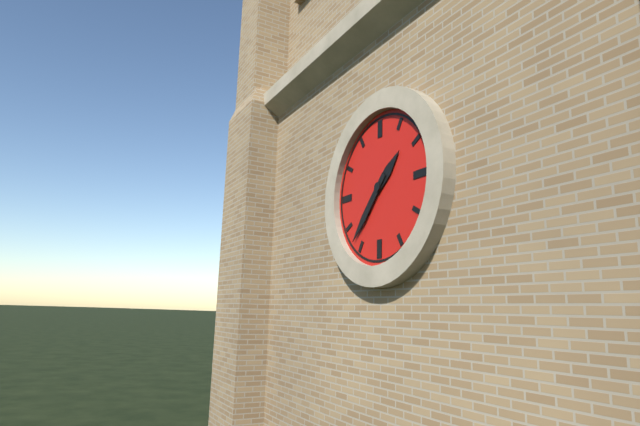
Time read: 1:37
